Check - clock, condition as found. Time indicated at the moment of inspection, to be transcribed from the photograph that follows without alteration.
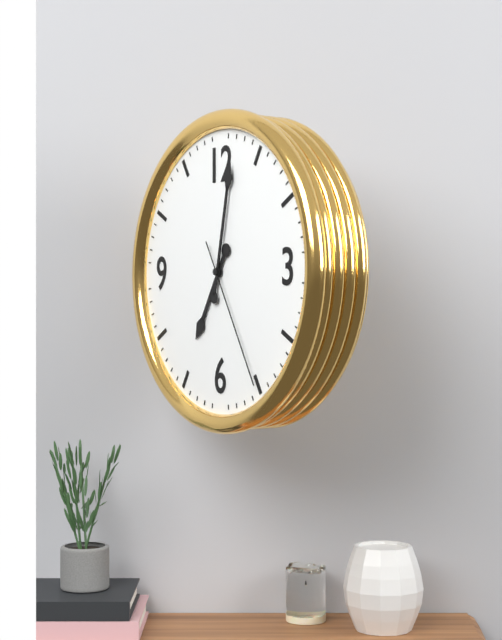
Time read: 7:02:25
